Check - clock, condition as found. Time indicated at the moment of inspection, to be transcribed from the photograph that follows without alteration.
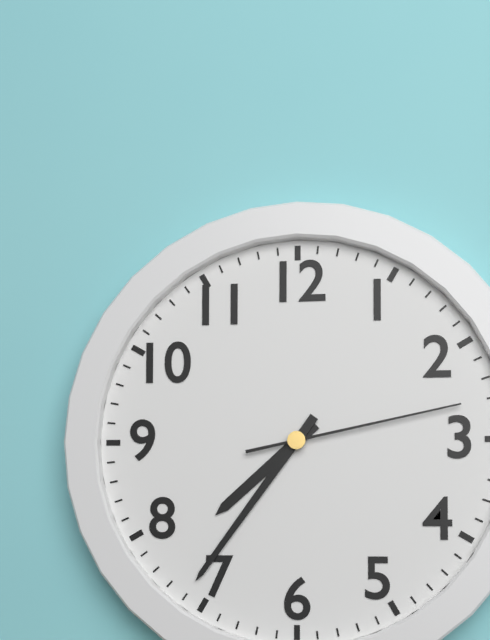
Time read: 7:36:13
